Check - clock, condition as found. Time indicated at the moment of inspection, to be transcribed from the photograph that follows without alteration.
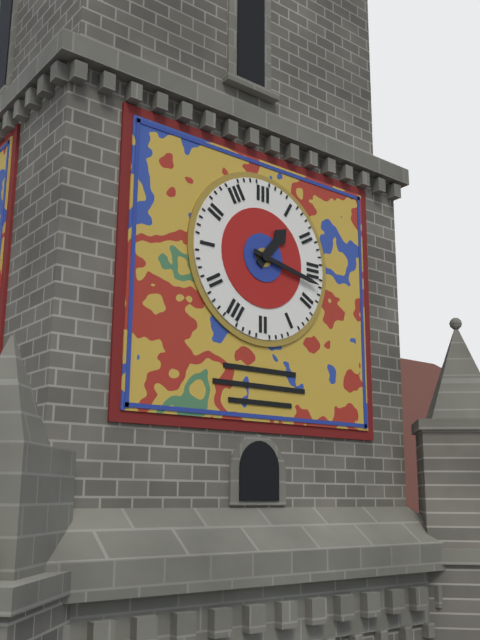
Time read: 1:17
